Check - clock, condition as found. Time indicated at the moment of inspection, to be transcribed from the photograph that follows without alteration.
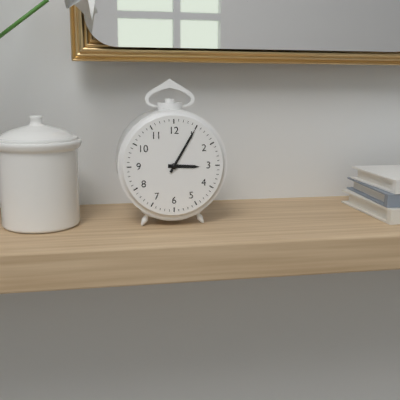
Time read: 3:05
